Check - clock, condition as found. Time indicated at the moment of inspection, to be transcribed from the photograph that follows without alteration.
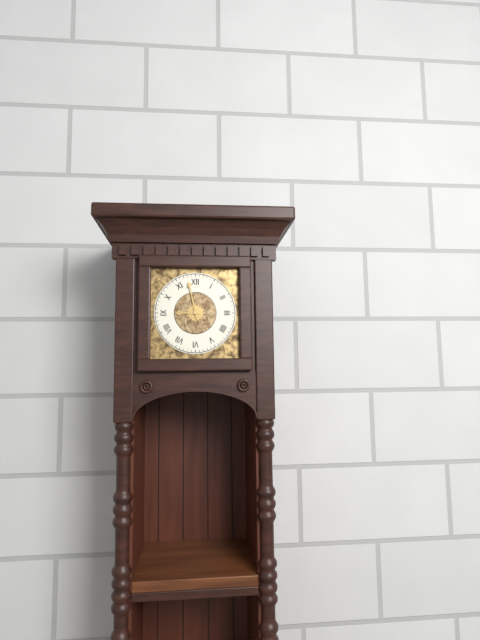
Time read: 8:58
